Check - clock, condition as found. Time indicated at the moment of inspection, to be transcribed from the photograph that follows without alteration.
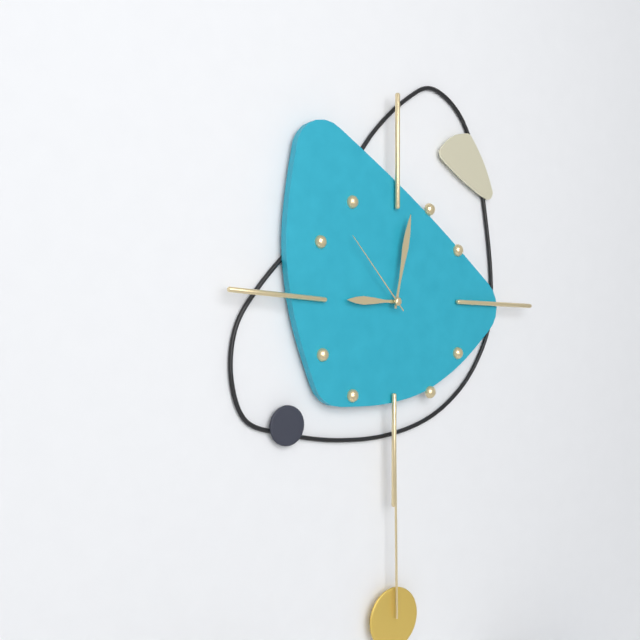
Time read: 9:02:53
